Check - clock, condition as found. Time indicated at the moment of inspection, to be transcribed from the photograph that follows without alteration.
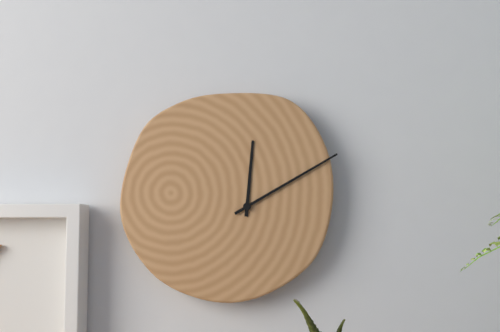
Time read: 12:10
